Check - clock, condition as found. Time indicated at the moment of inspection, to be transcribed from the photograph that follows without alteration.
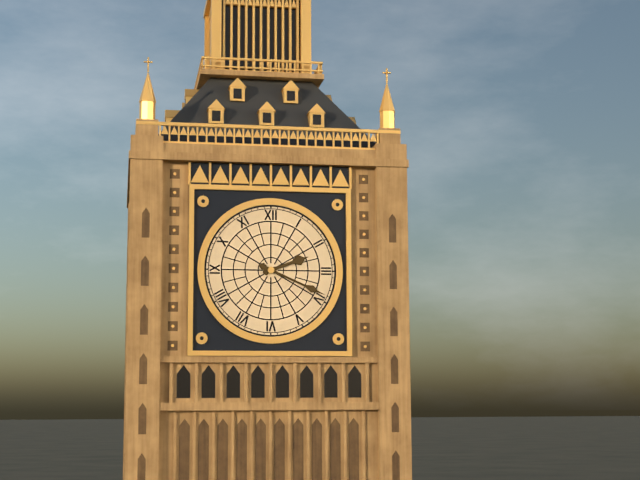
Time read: 2:19
